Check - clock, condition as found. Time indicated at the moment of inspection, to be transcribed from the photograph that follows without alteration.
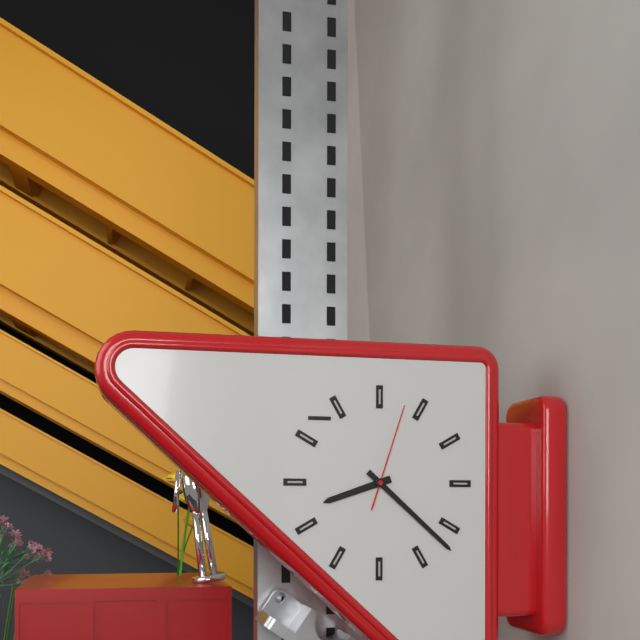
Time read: 8:22:03
